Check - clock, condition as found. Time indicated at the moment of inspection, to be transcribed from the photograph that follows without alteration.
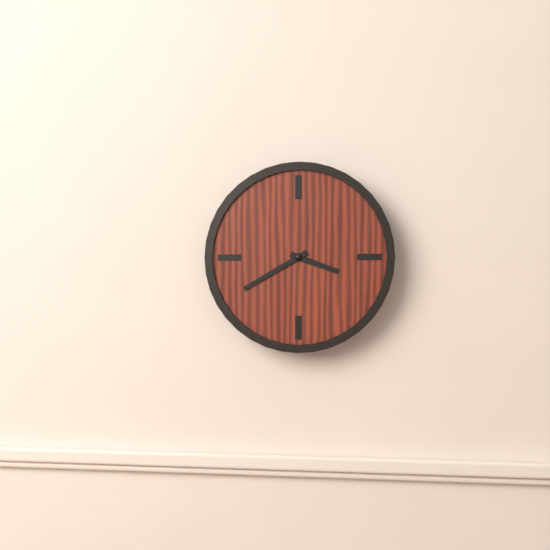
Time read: 3:40
